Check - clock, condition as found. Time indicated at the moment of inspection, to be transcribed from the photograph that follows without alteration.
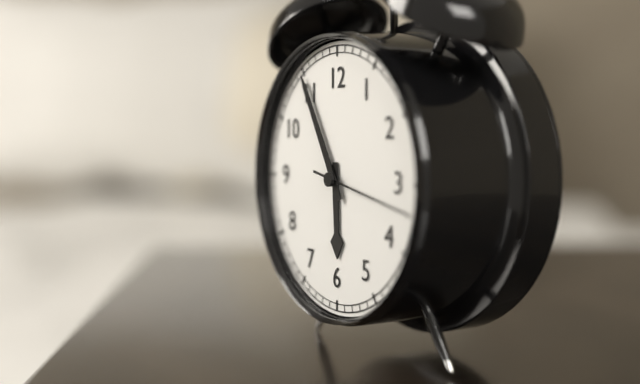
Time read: 5:55:17
